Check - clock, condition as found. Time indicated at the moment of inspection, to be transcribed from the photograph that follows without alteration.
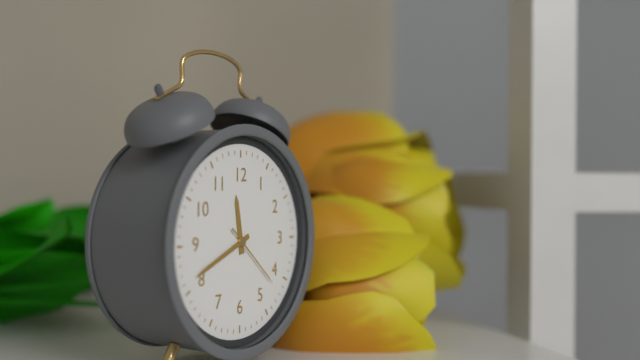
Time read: 11:41:22
